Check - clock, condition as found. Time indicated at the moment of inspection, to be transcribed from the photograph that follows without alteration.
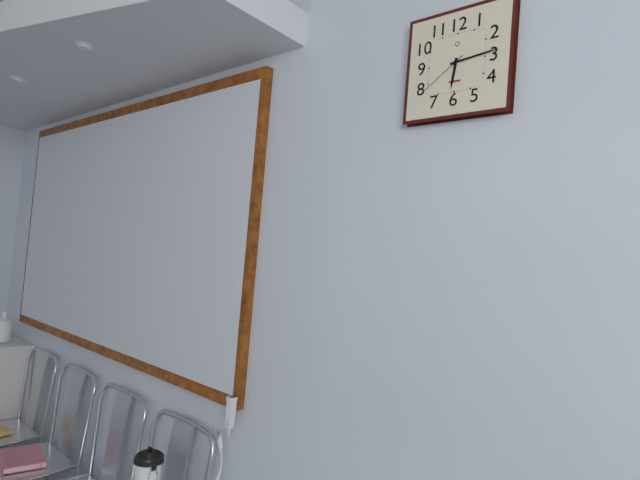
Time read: 6:14:39
